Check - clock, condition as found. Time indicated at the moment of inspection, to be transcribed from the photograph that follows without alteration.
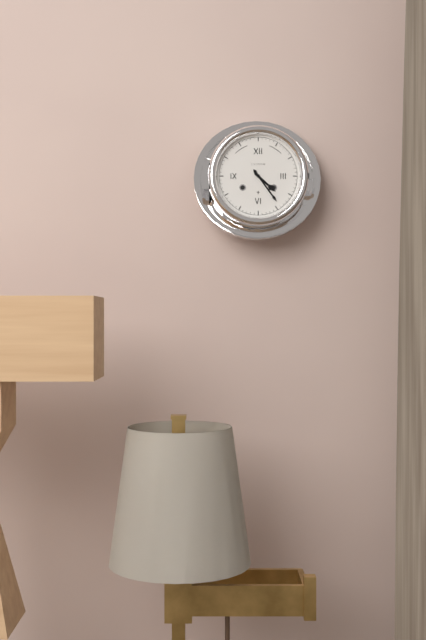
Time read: 4:24
